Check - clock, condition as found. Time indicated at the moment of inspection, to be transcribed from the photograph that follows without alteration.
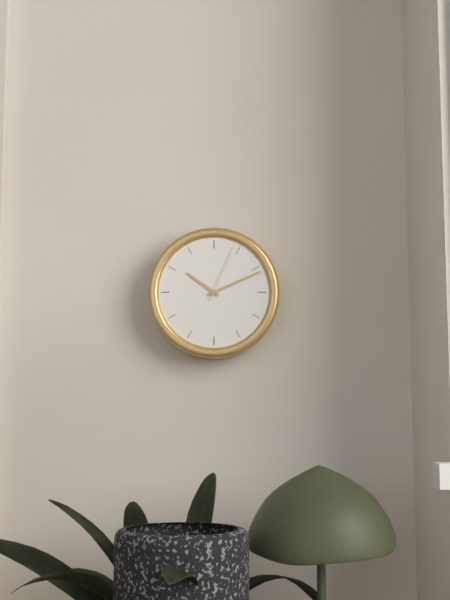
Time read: 10:11:04
